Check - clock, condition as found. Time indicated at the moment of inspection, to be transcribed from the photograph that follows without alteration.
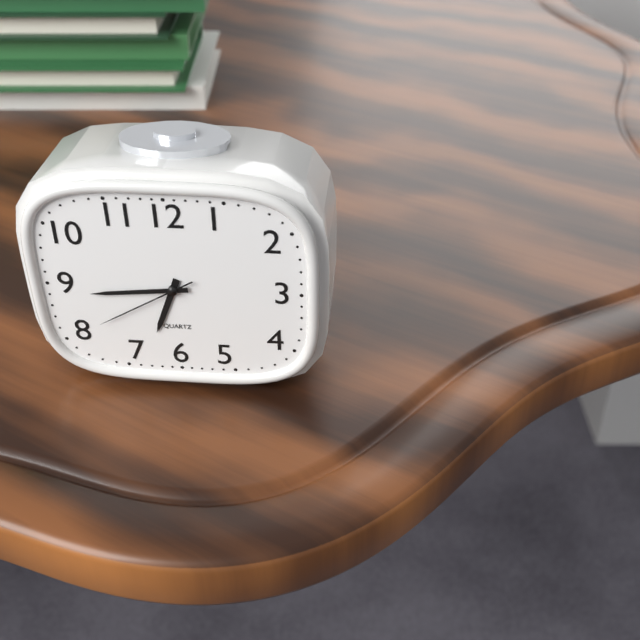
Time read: 6:44:40
